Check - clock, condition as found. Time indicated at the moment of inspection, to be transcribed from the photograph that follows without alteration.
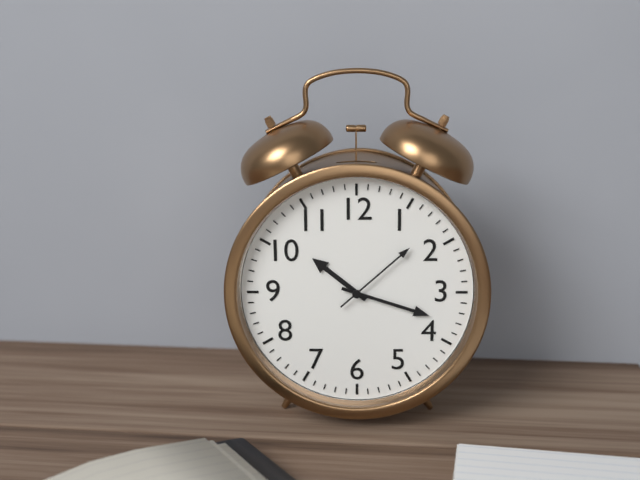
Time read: 10:18:08
